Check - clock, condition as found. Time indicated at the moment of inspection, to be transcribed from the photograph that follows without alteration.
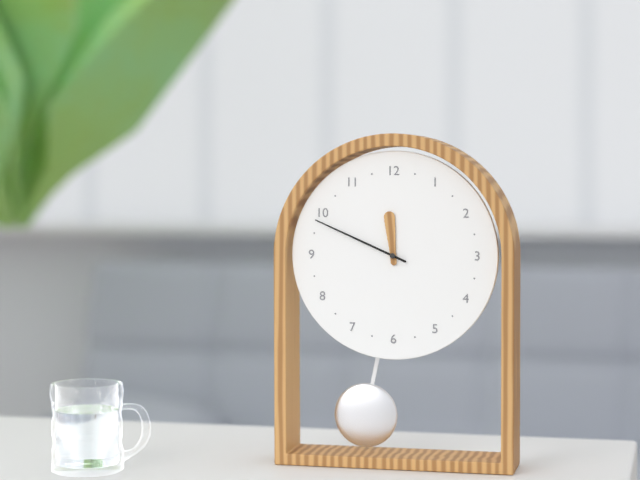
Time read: 11:49
